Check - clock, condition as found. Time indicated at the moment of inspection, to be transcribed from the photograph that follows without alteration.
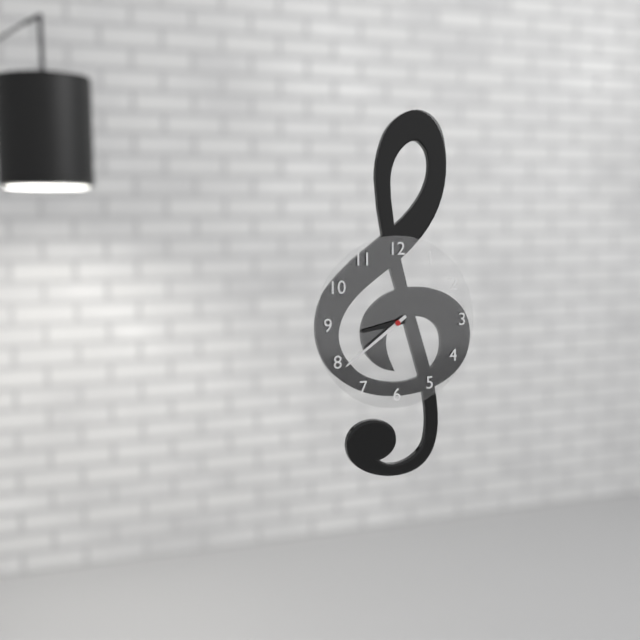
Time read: 8:39
